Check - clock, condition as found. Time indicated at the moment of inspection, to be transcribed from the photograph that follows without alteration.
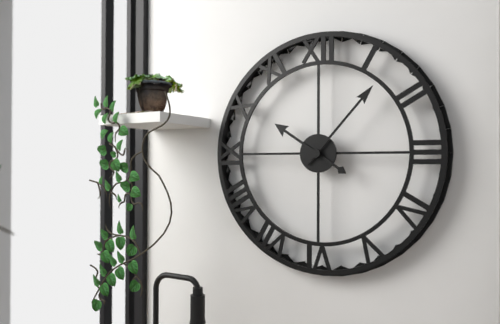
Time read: 10:07
